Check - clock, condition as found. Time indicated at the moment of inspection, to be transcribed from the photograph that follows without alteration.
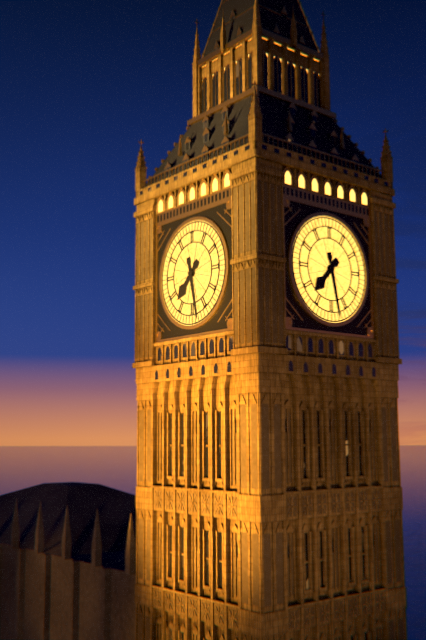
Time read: 7:28
